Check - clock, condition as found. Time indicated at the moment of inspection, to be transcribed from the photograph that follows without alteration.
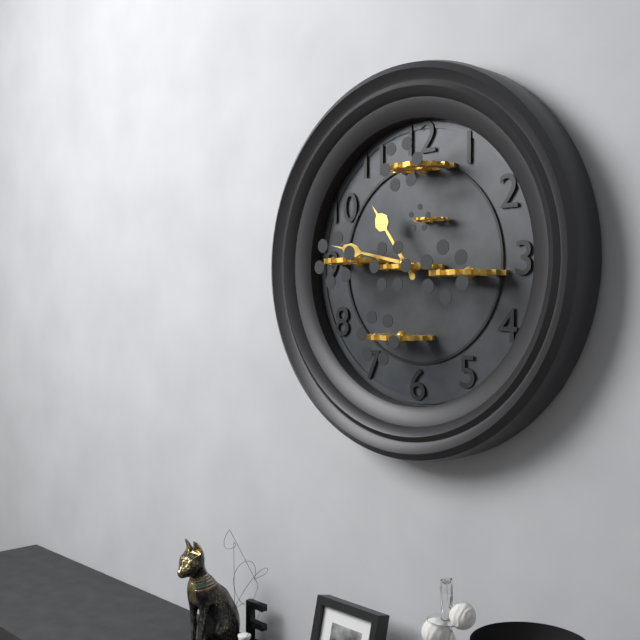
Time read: 10:47
